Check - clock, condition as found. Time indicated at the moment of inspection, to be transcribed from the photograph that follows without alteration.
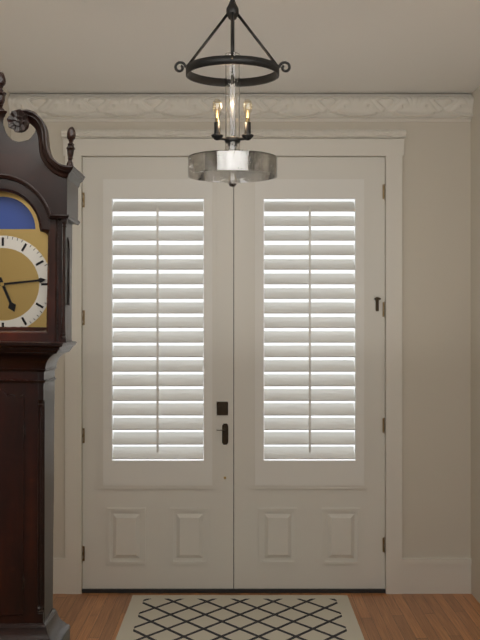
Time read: 5:14
